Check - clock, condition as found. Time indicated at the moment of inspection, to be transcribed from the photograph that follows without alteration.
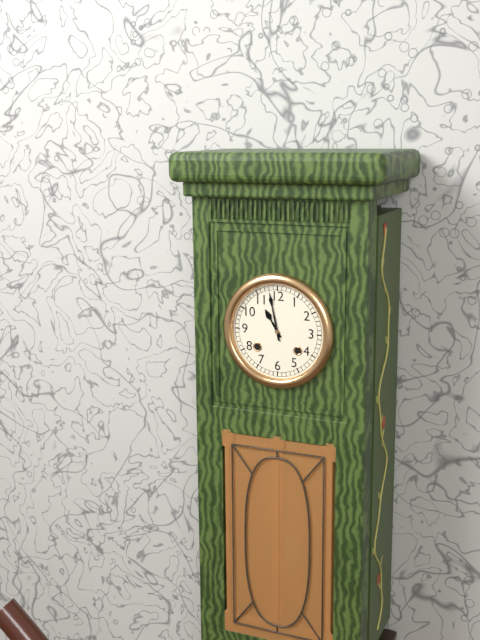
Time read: 10:58
